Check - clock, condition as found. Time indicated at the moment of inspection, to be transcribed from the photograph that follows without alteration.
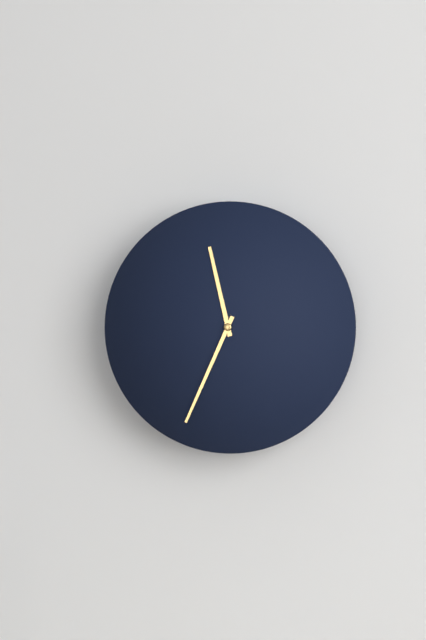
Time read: 11:34
